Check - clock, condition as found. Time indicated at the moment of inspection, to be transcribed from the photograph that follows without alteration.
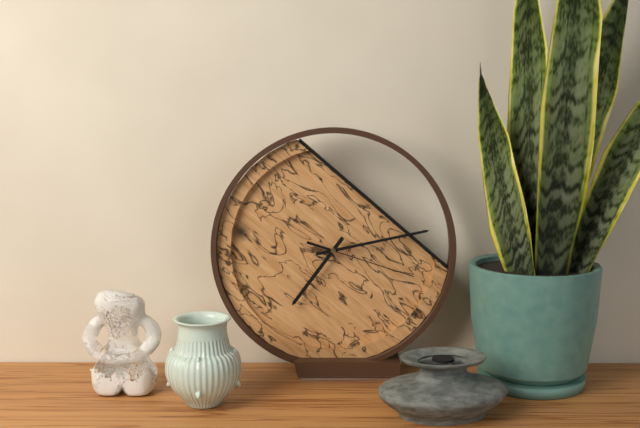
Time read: 7:13:18
